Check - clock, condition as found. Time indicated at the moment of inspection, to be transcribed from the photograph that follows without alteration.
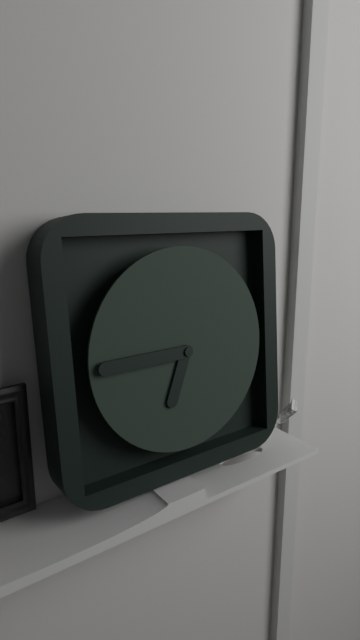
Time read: 6:45
